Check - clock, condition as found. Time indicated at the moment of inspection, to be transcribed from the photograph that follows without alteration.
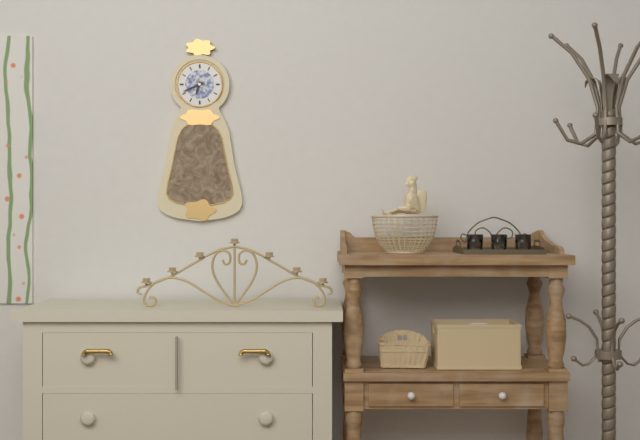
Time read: 6:41
